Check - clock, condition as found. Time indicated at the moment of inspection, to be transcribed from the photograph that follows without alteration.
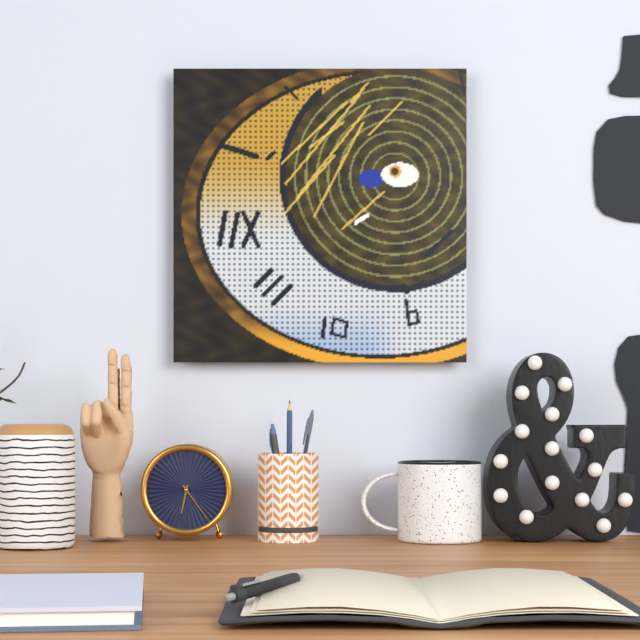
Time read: 6:24
